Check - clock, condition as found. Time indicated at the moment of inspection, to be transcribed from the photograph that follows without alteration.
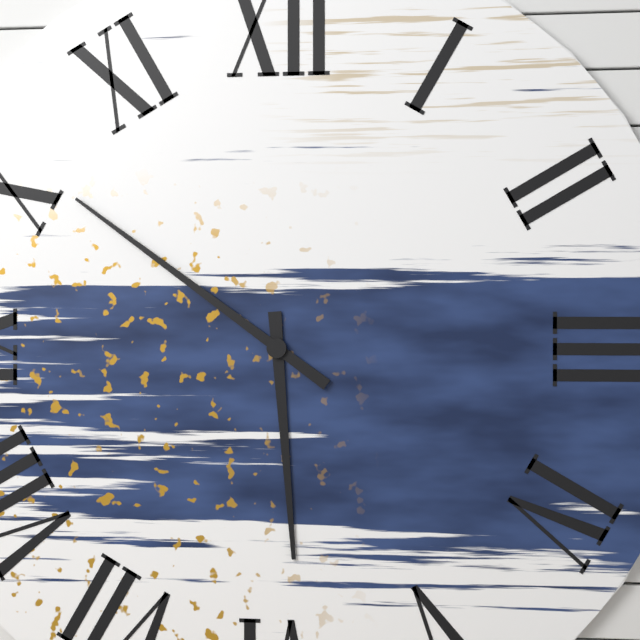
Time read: 5:51
